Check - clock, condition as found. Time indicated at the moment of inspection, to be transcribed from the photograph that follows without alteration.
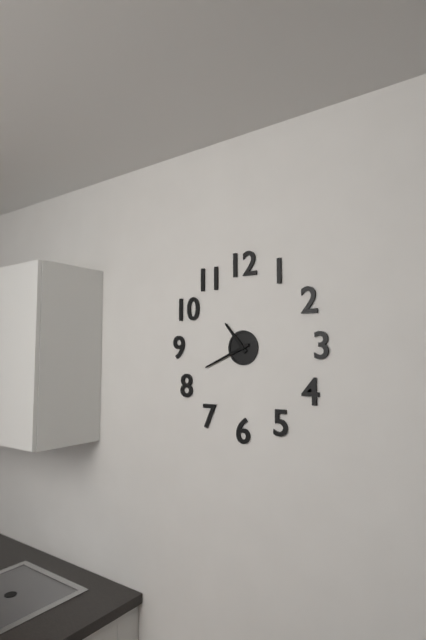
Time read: 10:41
